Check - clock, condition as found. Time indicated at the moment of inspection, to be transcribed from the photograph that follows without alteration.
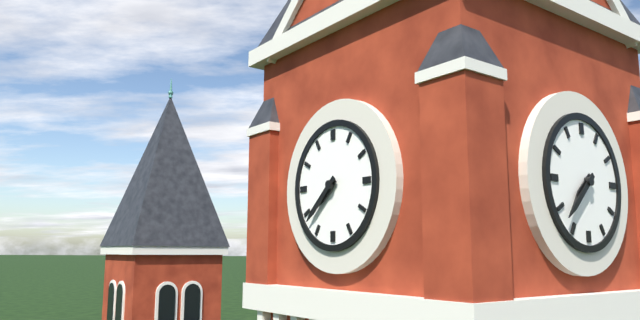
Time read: 7:38
